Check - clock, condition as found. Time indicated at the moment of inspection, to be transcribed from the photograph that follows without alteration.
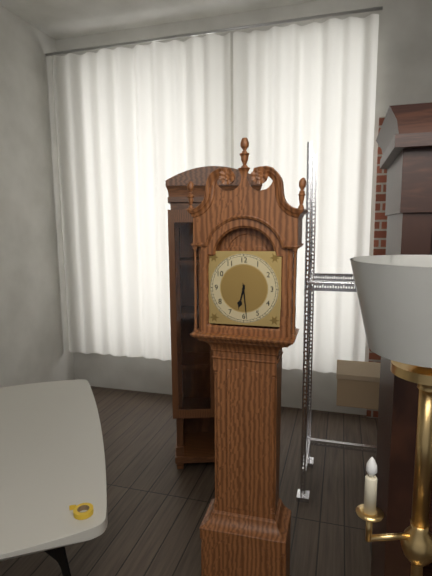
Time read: 6:29
